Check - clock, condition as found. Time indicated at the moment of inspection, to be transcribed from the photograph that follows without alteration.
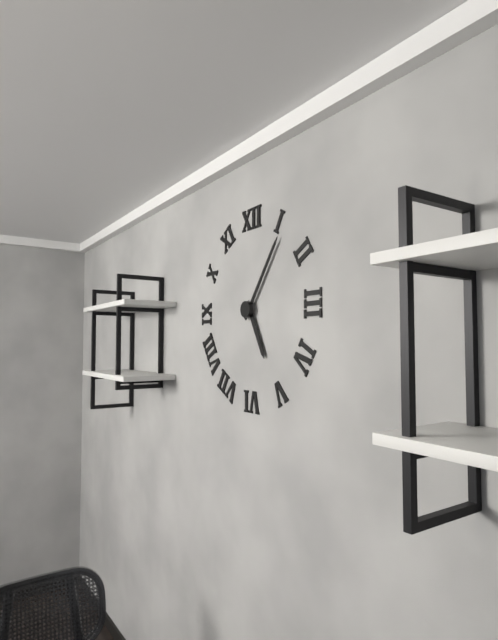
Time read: 5:06
